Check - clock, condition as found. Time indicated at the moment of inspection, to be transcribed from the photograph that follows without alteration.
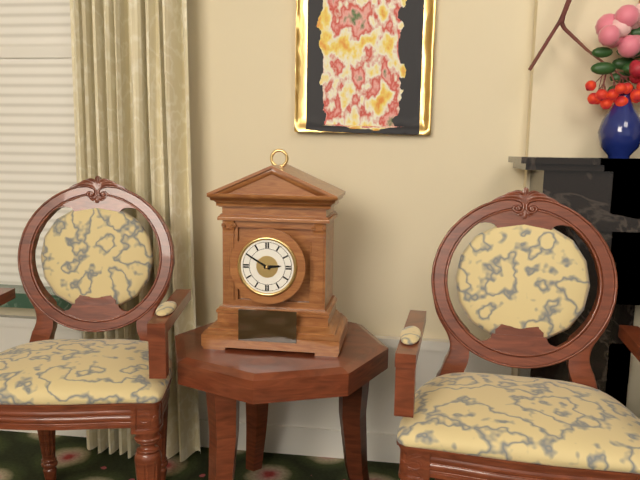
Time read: 2:50
